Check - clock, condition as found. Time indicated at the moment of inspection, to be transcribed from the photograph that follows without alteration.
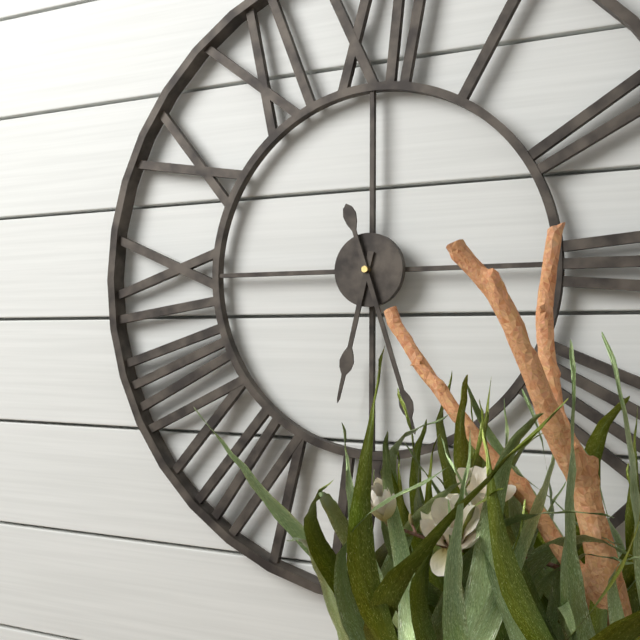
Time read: 6:27
